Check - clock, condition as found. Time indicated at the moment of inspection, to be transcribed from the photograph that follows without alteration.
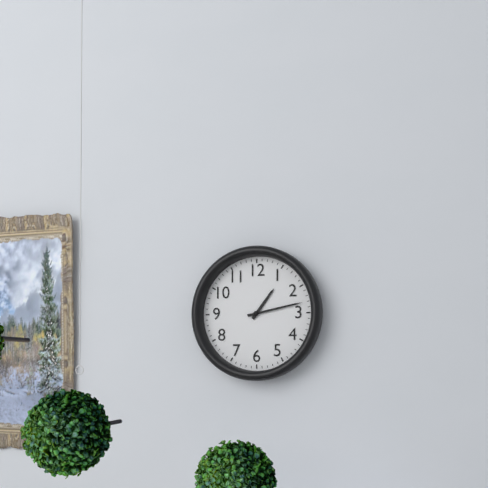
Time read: 1:13
